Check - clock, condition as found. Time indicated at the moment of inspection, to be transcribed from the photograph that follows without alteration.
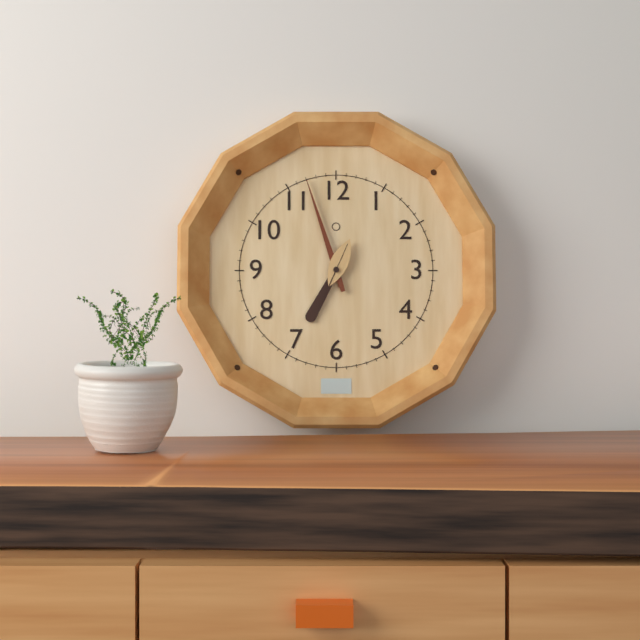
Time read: 6:57:34
